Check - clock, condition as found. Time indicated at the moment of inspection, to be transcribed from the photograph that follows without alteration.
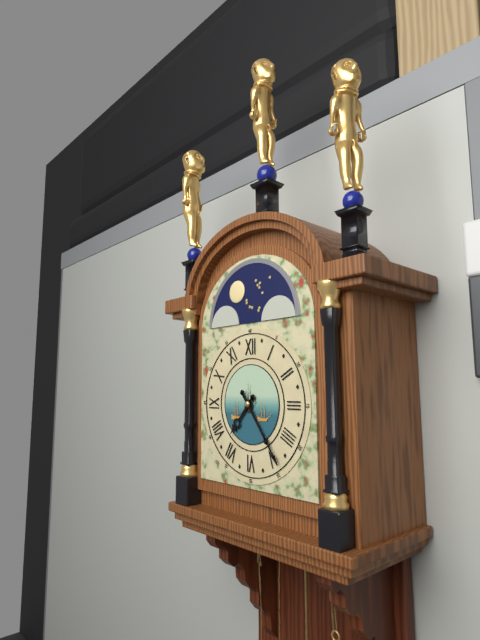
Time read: 7:24
